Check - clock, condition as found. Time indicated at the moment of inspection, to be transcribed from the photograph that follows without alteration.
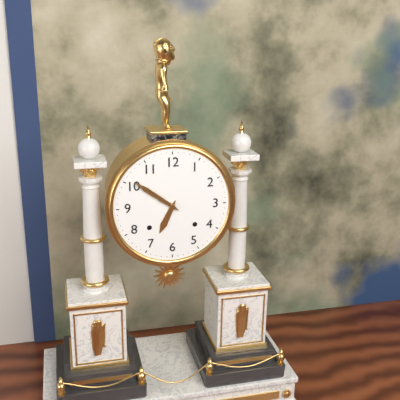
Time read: 6:51
